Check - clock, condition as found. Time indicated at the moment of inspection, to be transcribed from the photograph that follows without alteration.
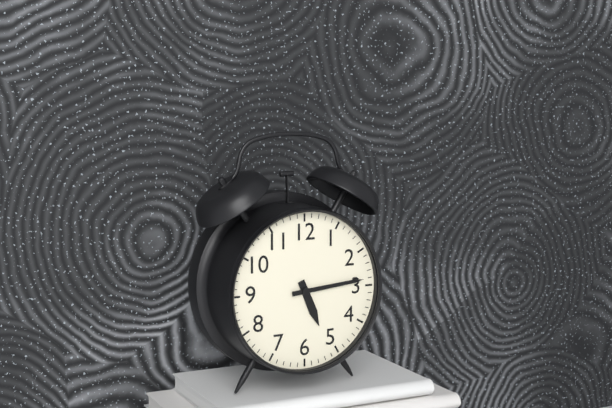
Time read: 5:14
